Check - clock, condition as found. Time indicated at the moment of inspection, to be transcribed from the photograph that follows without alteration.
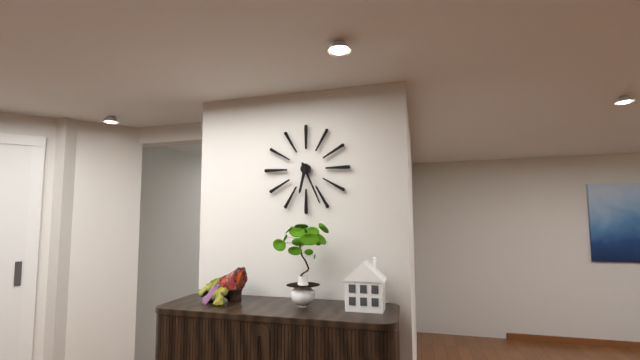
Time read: 6:26
